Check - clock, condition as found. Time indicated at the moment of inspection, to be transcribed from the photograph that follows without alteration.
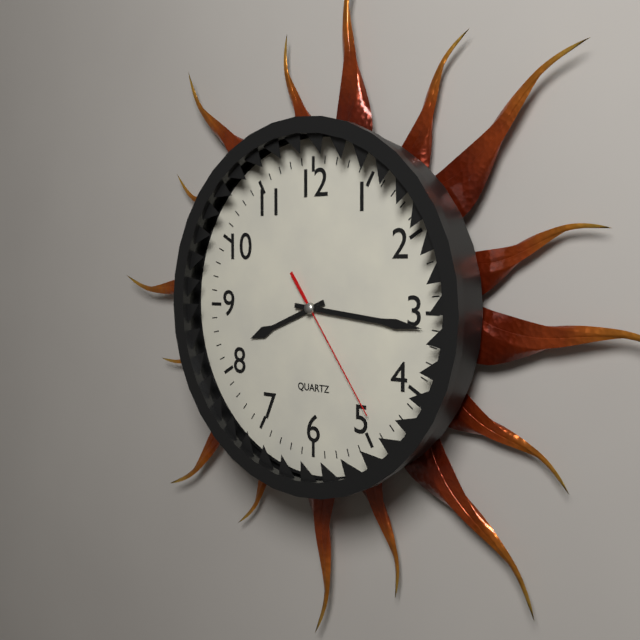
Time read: 8:16:24
